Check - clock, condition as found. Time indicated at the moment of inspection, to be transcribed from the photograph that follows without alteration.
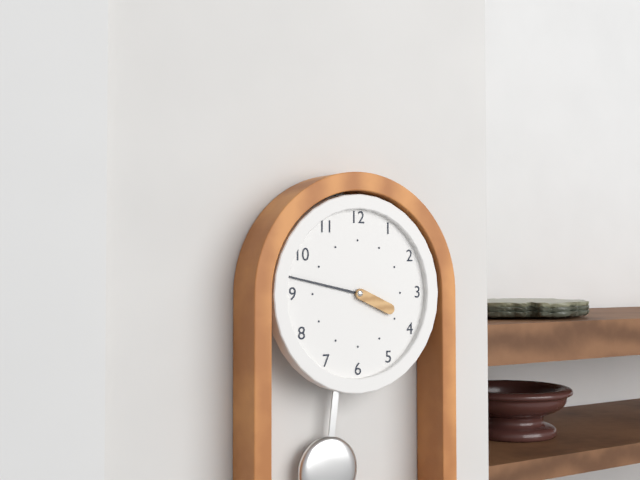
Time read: 3:47
